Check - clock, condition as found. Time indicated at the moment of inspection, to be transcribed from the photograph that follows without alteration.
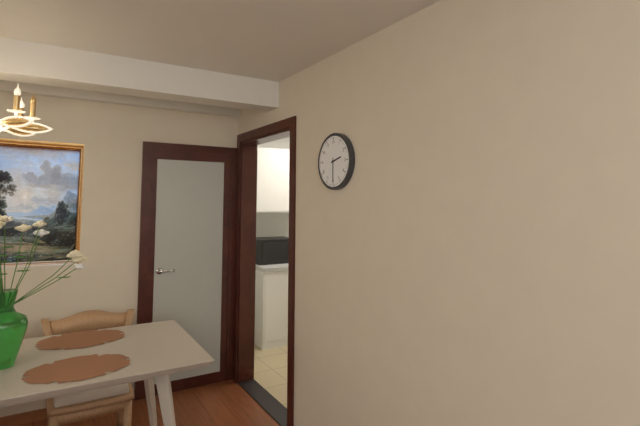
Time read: 2:30
